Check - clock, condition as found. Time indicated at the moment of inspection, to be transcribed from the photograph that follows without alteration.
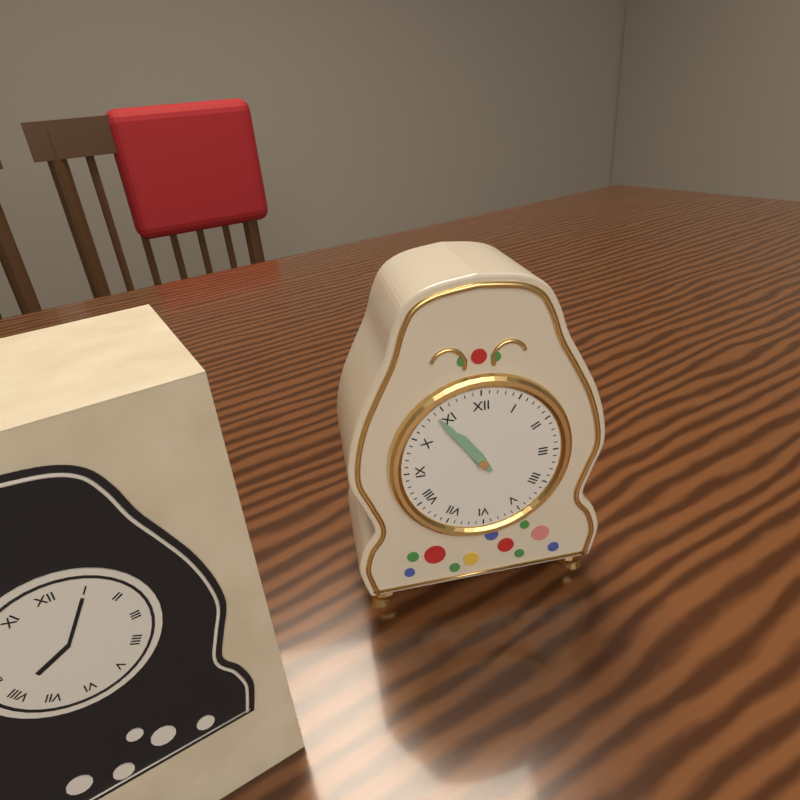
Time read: 10:54
